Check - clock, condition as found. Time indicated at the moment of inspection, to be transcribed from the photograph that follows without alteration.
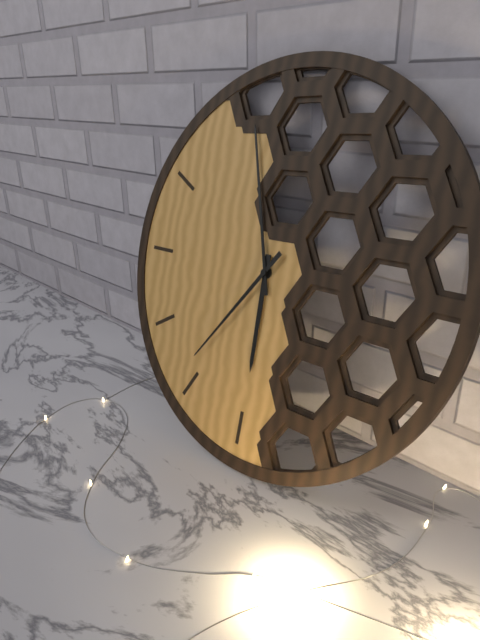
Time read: 5:57:36
